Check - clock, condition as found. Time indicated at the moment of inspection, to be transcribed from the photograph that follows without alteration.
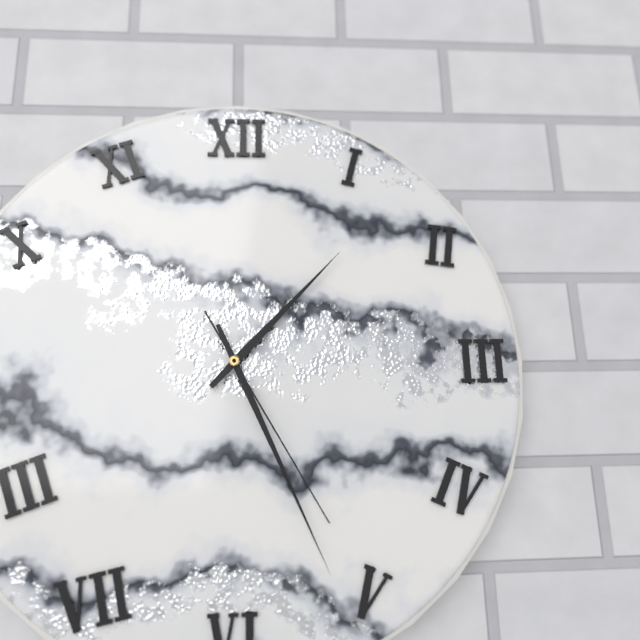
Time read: 1:26:25
